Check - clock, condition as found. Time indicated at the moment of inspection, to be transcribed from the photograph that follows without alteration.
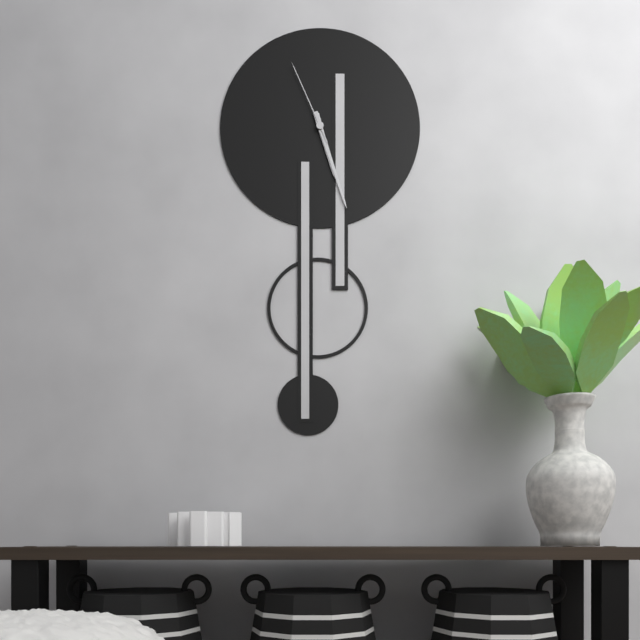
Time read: 5:27:56
